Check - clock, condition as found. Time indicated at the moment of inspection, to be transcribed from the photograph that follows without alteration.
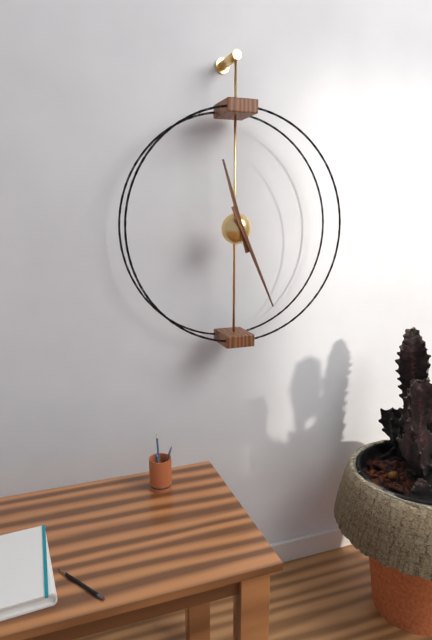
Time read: 11:26
